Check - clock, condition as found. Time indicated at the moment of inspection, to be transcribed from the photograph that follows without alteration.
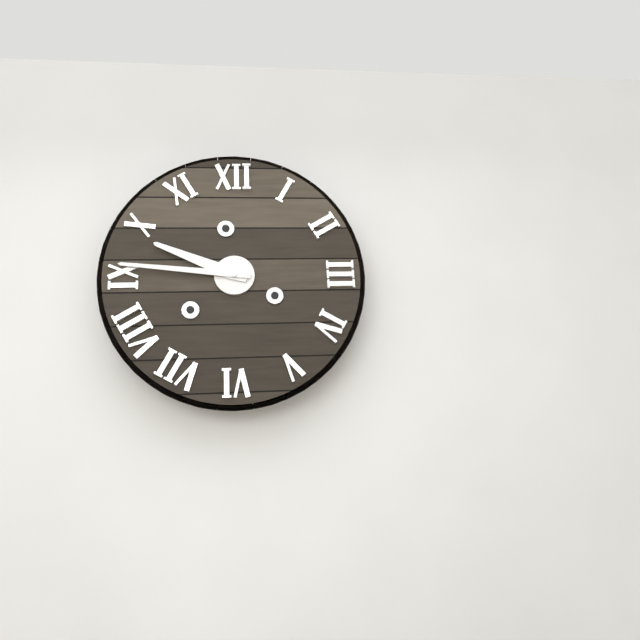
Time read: 9:46
